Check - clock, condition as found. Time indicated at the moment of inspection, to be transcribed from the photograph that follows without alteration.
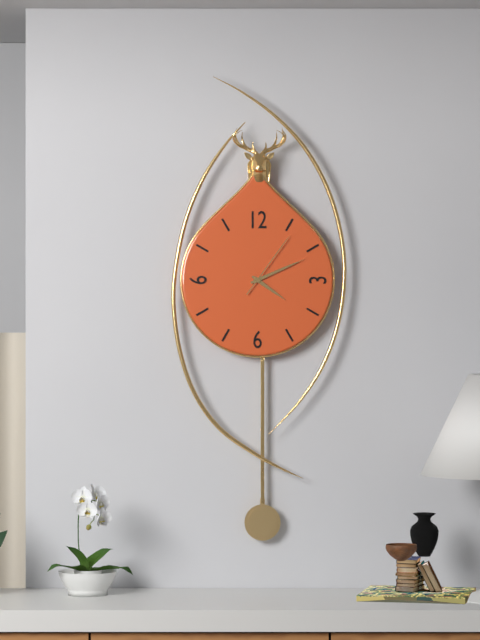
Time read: 4:11:06
